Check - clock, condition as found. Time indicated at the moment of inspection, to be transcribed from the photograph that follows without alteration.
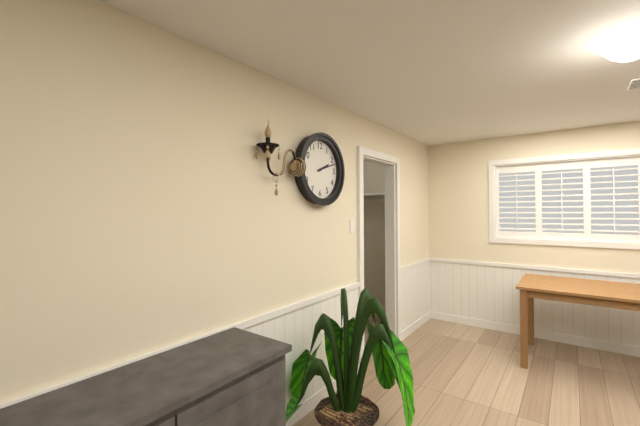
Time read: 2:12
